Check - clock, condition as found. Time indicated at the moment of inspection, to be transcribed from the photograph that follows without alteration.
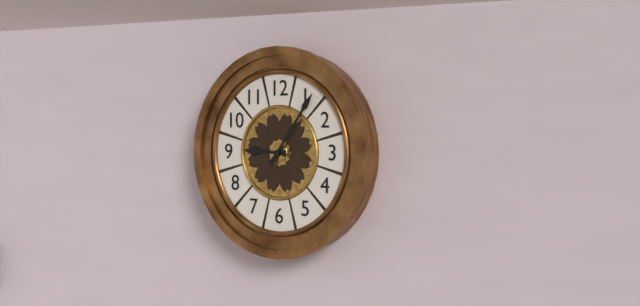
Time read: 9:06
